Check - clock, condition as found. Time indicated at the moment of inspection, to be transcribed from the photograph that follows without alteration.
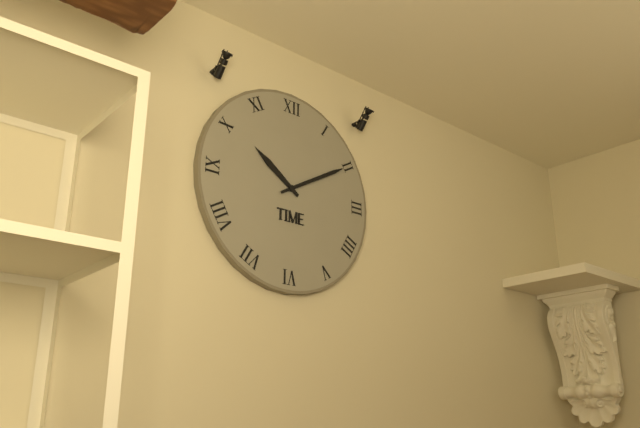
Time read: 10:10
